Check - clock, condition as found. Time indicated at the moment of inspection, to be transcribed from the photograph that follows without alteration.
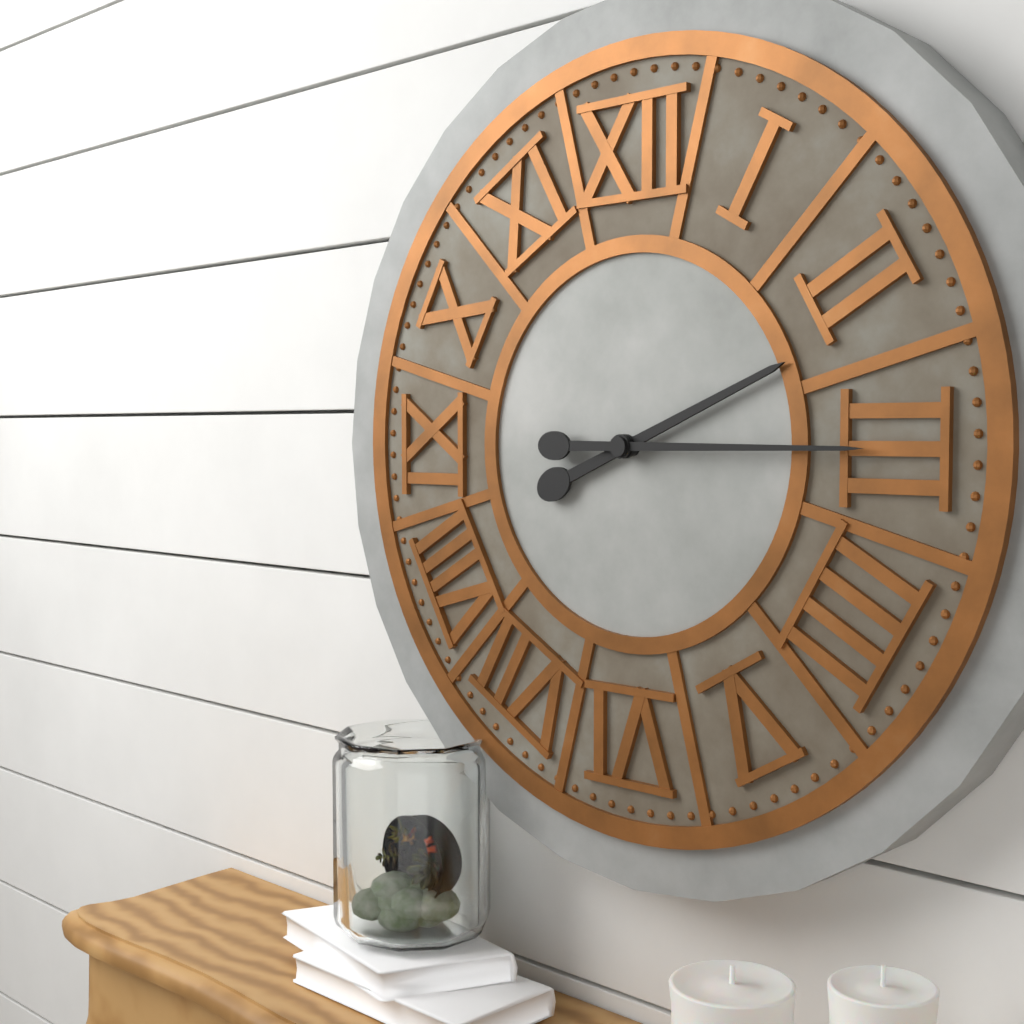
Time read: 2:15
